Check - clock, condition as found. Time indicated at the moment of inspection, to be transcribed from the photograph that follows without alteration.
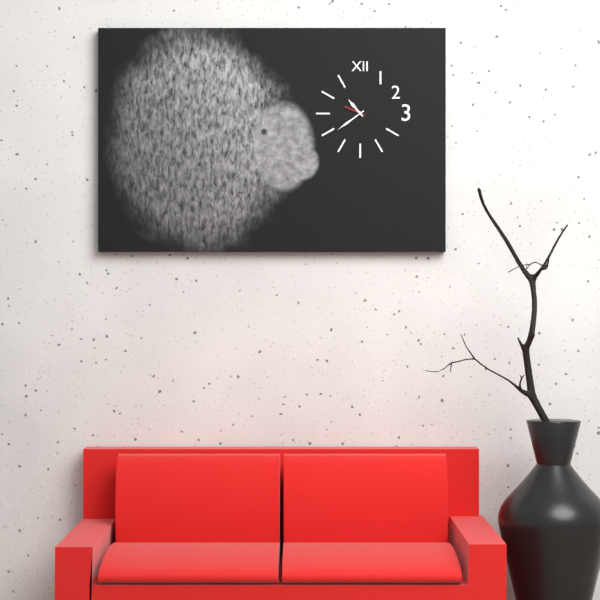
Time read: 10:39
